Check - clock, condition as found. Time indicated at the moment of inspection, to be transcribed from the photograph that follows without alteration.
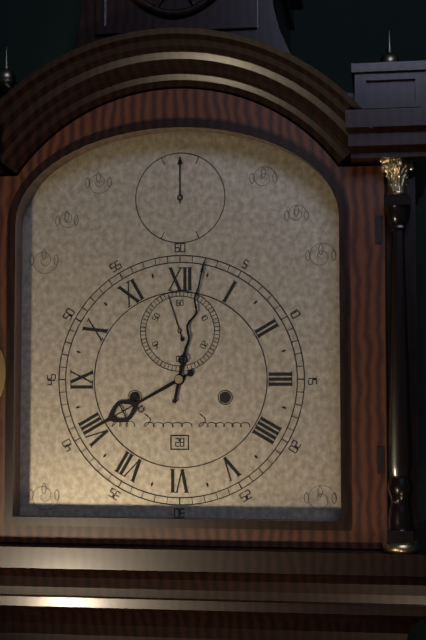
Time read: 8:02
